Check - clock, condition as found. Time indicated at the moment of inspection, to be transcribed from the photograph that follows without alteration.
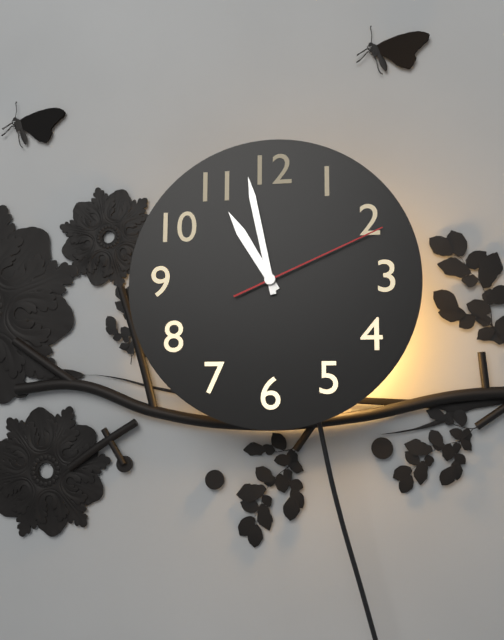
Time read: 10:58:11
